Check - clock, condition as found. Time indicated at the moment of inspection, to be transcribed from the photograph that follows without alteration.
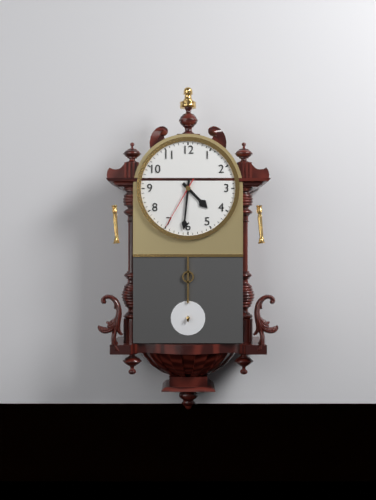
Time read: 4:31:35
